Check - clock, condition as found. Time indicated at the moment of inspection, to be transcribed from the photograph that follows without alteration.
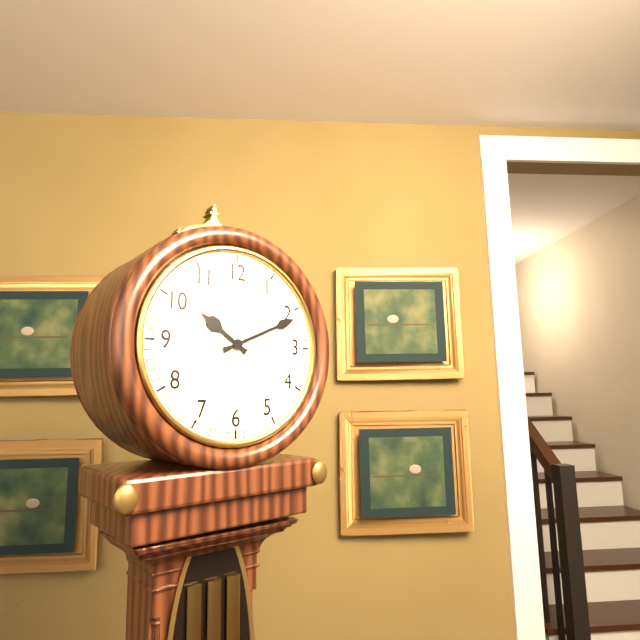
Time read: 10:11
